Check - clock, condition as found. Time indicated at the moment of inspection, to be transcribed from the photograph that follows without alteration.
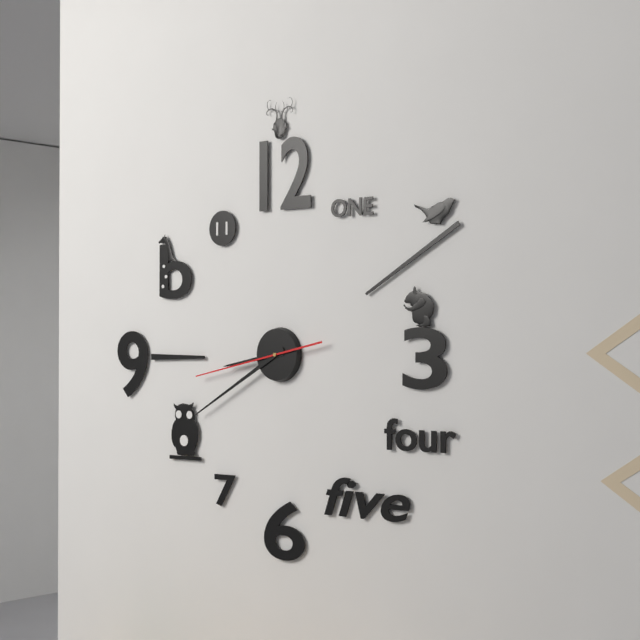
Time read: 8:40:43
